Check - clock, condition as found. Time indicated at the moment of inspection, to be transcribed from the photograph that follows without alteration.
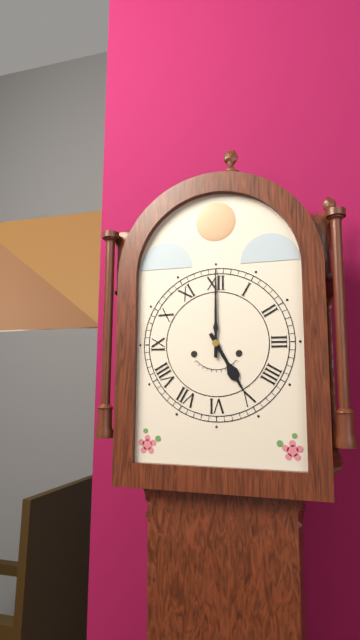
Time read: 5:00
